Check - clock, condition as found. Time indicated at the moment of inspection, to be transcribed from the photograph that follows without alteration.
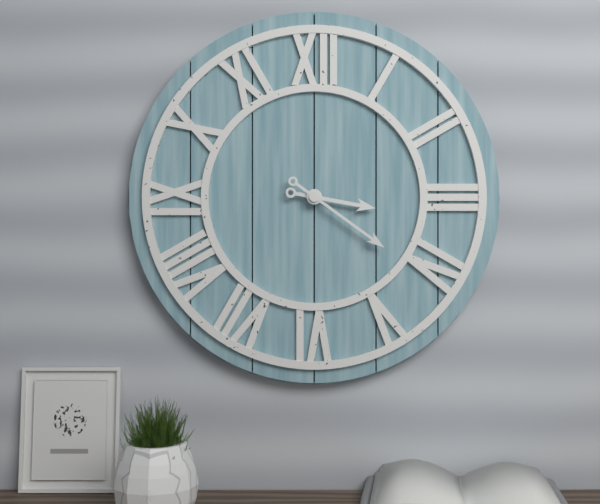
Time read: 3:21
